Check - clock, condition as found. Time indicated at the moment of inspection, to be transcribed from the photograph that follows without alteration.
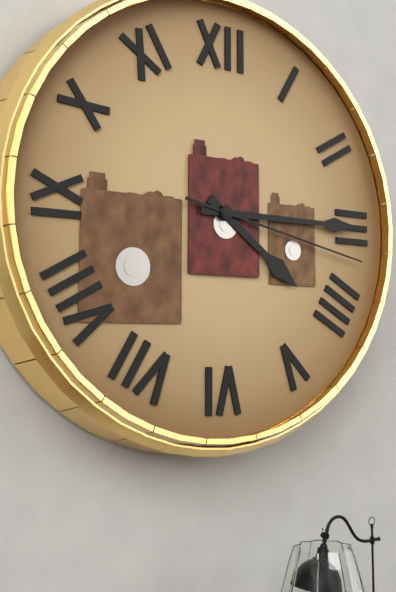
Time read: 4:15:17
